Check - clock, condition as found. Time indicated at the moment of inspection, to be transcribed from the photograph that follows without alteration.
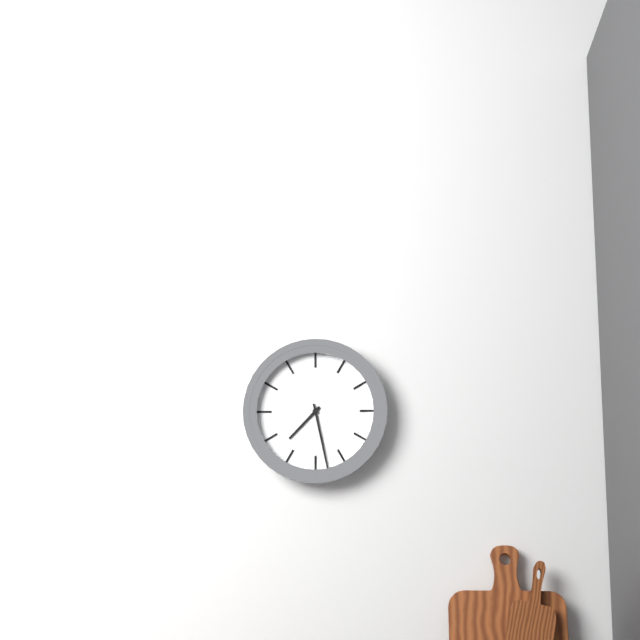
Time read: 7:28
